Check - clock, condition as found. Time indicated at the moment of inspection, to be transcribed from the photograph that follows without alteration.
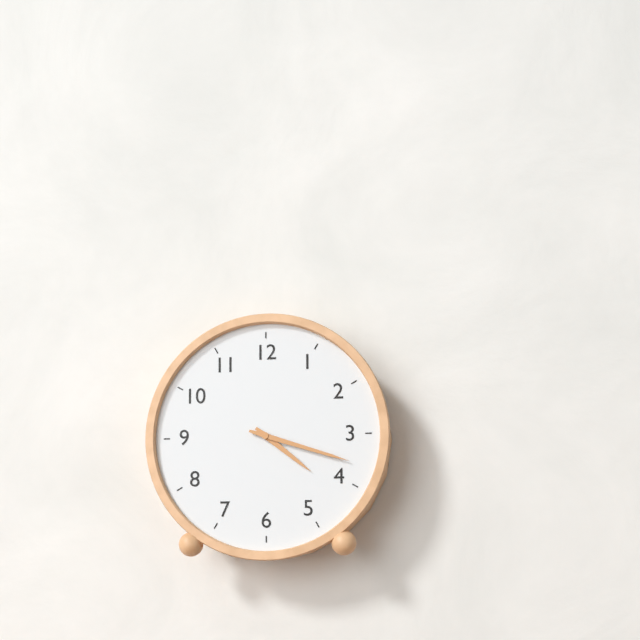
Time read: 4:18
